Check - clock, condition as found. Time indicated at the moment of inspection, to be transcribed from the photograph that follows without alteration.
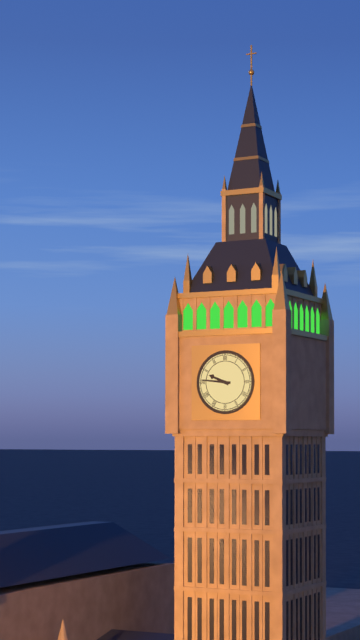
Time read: 9:46
